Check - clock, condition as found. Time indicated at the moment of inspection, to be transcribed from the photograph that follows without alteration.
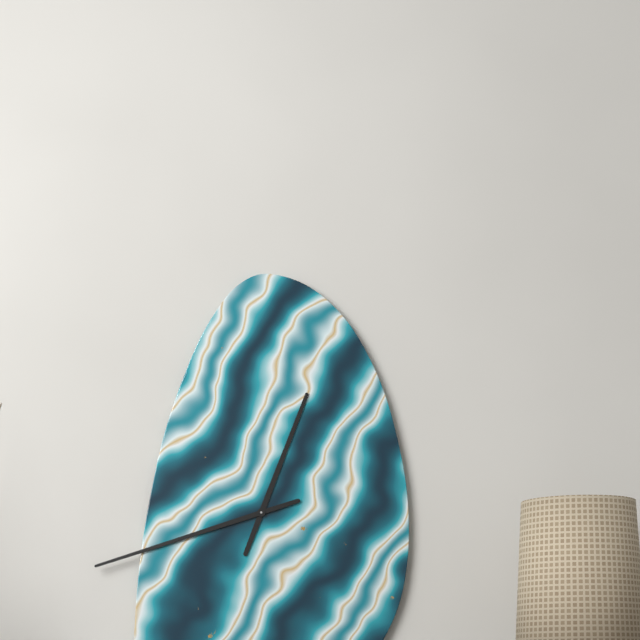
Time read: 12:42
